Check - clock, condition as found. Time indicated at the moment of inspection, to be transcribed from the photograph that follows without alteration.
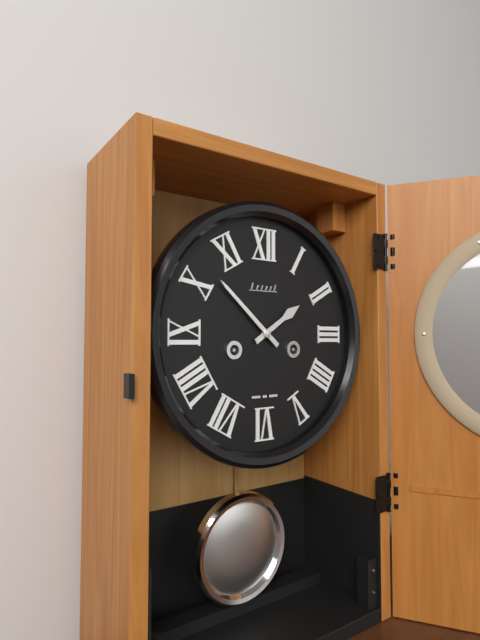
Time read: 1:52
